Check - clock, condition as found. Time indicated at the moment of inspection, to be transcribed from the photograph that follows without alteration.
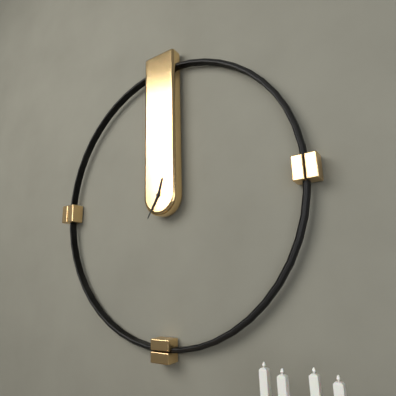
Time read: 12:35
